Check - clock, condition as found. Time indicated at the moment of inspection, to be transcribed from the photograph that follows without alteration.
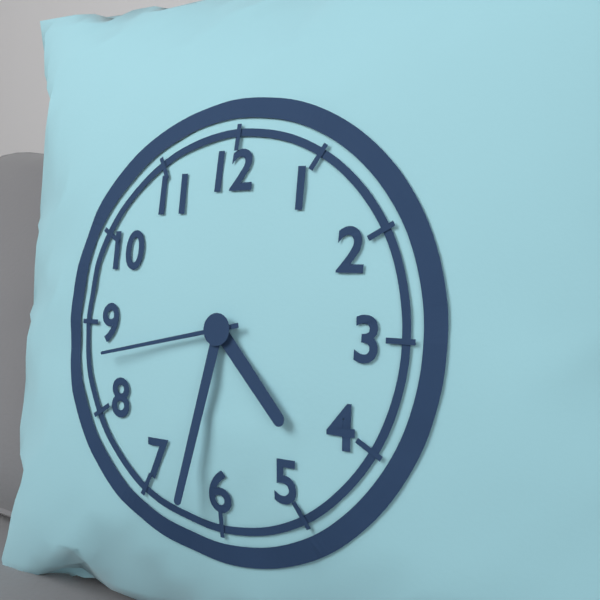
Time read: 4:32:43
